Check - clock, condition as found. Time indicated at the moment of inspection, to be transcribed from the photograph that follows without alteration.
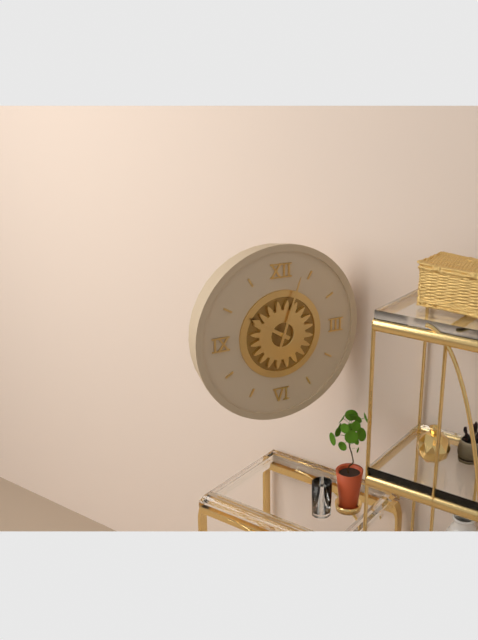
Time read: 10:03
